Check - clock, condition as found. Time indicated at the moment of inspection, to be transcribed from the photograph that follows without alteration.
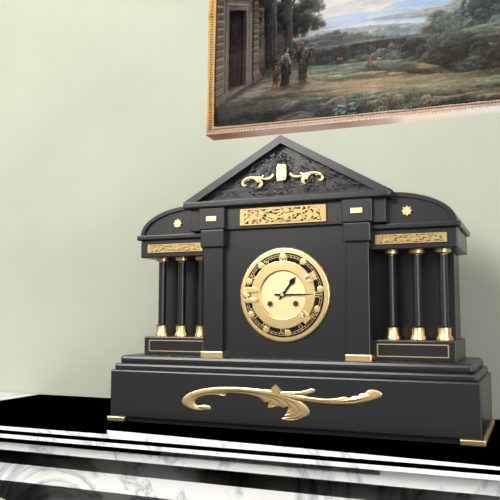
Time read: 1:15
